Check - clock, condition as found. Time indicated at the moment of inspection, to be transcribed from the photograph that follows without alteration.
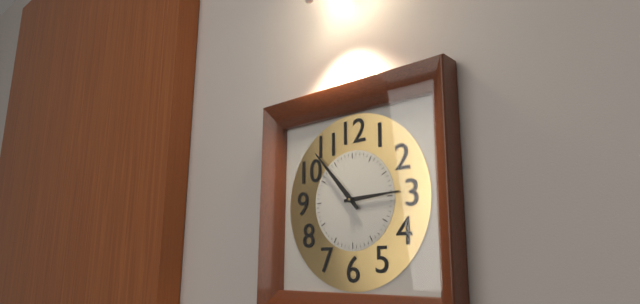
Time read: 2:53
